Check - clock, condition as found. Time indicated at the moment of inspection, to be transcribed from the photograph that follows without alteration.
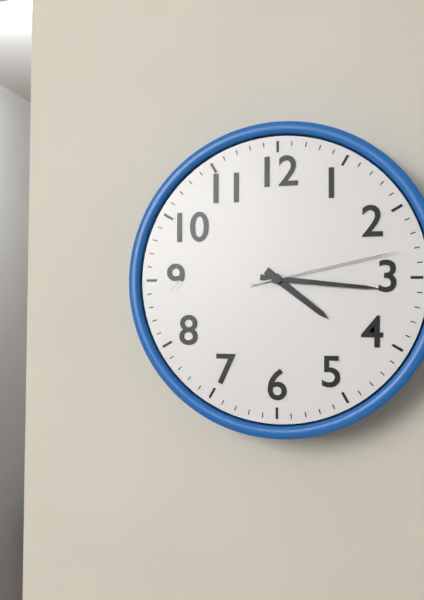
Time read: 4:16:13
